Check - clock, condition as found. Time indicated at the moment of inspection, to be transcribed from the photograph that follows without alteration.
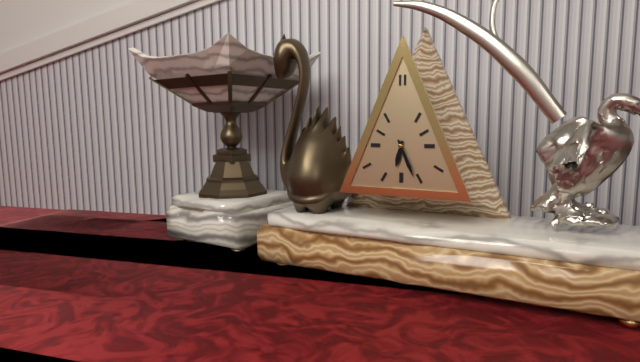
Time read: 6:26
